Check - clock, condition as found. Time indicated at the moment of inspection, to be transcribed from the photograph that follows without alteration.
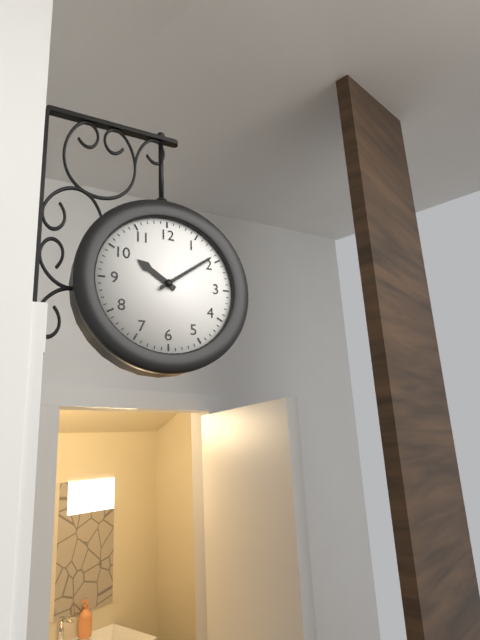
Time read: 10:09
